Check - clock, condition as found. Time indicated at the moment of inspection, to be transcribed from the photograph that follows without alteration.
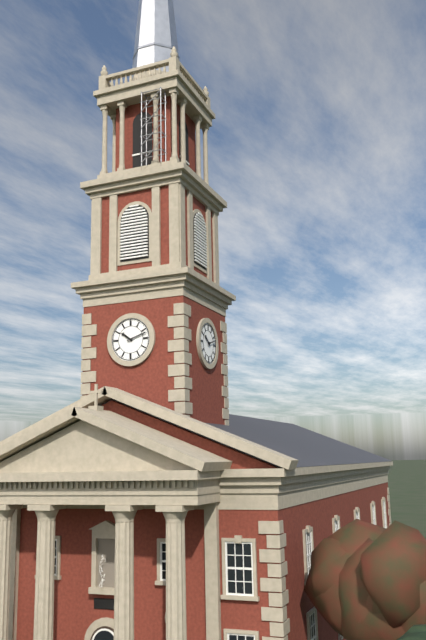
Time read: 10:12
